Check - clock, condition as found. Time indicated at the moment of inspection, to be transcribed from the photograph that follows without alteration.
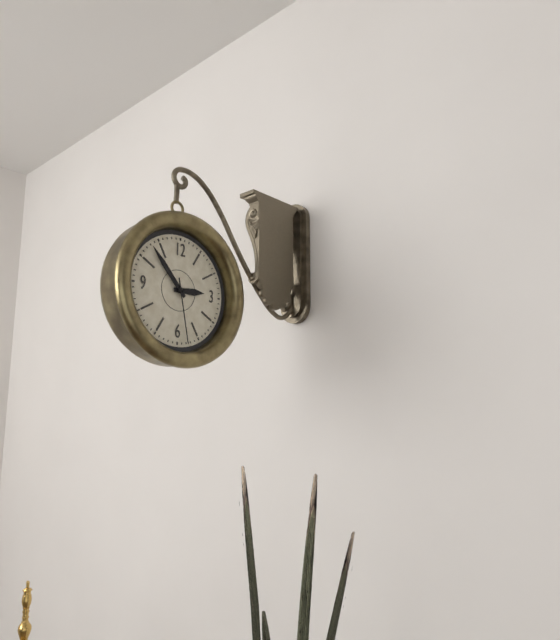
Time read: 2:53:28
